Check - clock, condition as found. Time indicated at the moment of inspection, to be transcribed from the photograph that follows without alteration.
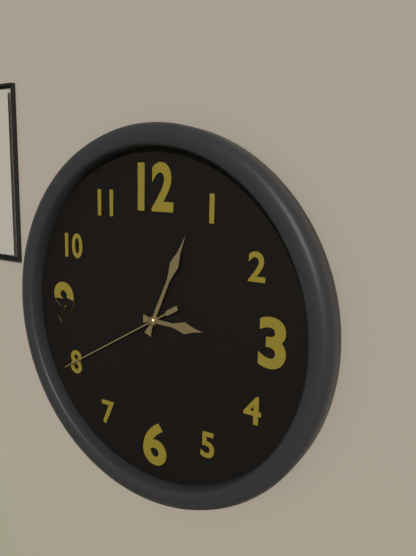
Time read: 3:04:40
